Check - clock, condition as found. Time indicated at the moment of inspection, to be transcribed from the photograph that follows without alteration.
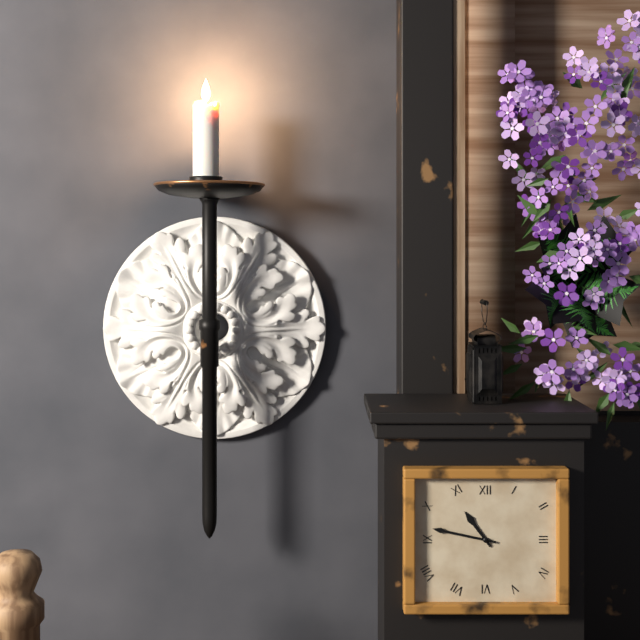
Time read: 10:47
